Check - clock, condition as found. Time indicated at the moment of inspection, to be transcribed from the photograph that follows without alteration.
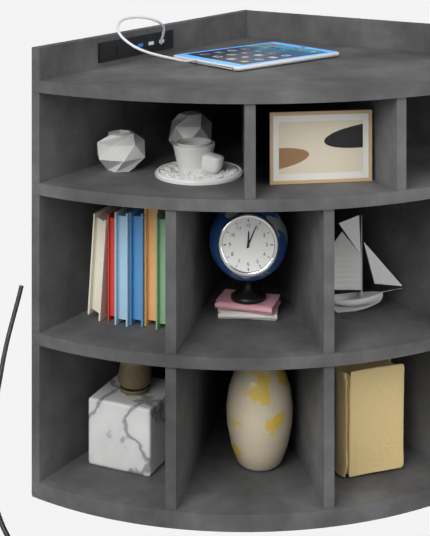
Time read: 12:04
